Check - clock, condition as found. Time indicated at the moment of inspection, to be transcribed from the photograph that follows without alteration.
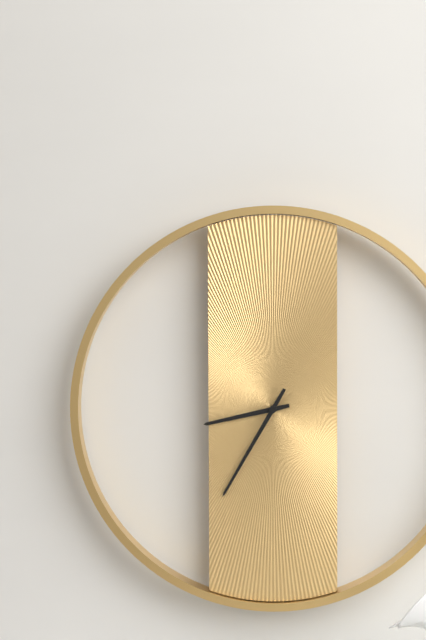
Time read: 8:35
